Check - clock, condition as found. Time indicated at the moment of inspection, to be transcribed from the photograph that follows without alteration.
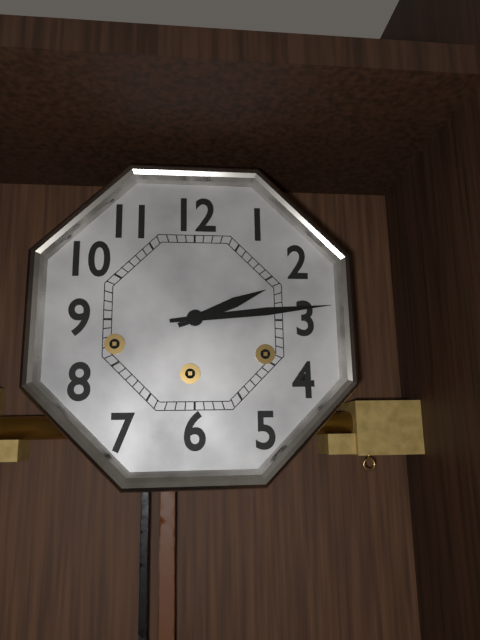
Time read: 2:14
